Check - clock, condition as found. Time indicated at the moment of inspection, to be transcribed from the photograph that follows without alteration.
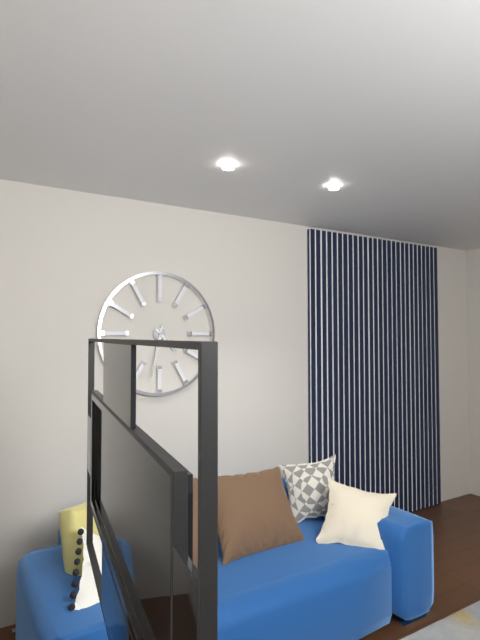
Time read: 4:32
